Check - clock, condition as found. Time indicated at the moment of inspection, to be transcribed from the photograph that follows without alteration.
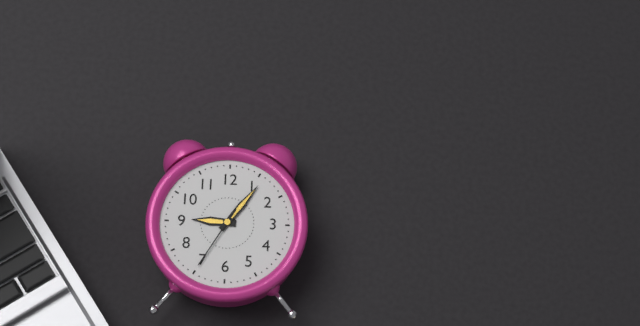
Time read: 9:06:35
